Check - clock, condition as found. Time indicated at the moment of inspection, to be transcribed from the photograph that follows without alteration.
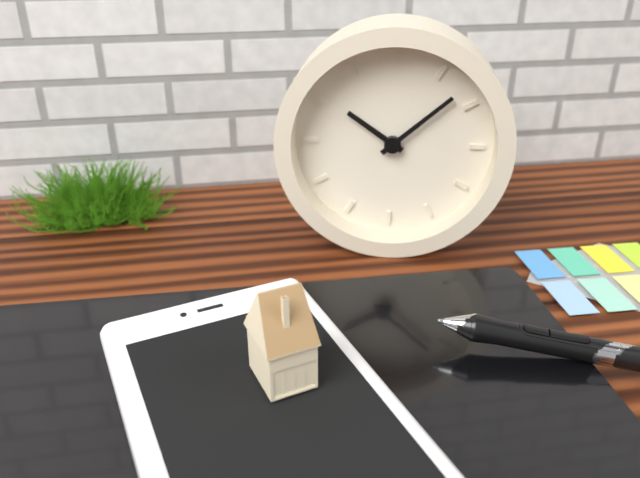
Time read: 10:08
